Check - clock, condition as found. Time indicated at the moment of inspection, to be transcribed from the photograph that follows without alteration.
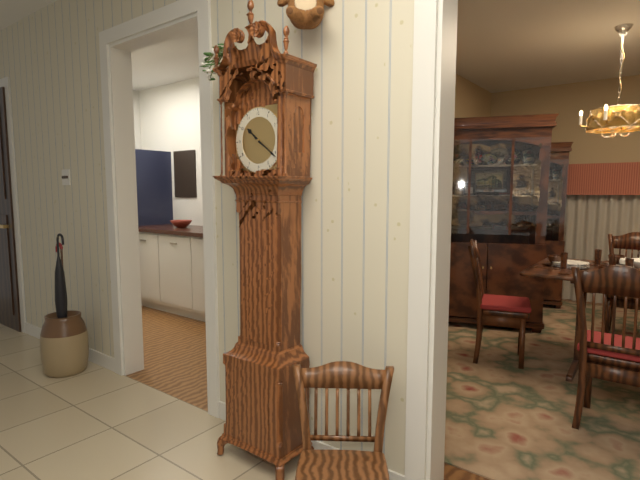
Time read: 10:21
